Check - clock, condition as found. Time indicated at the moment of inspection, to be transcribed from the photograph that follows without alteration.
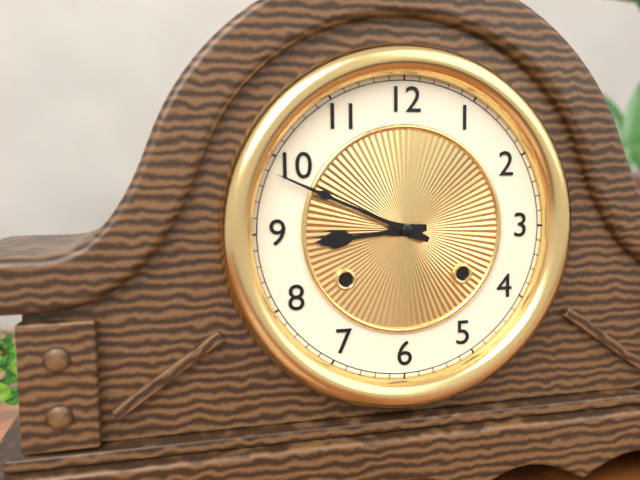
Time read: 8:49
